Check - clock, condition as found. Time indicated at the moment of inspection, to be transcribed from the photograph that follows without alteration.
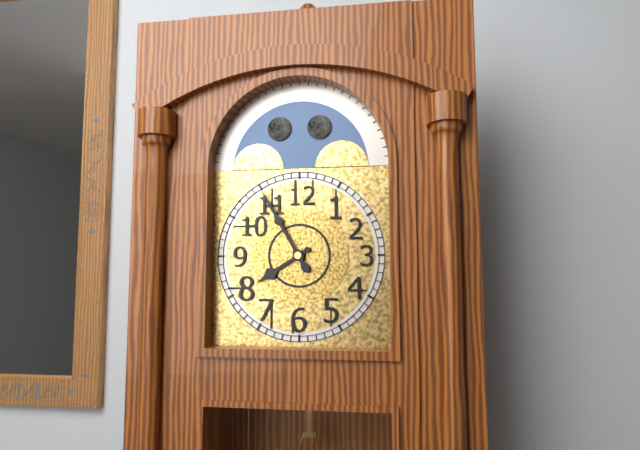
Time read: 7:55
